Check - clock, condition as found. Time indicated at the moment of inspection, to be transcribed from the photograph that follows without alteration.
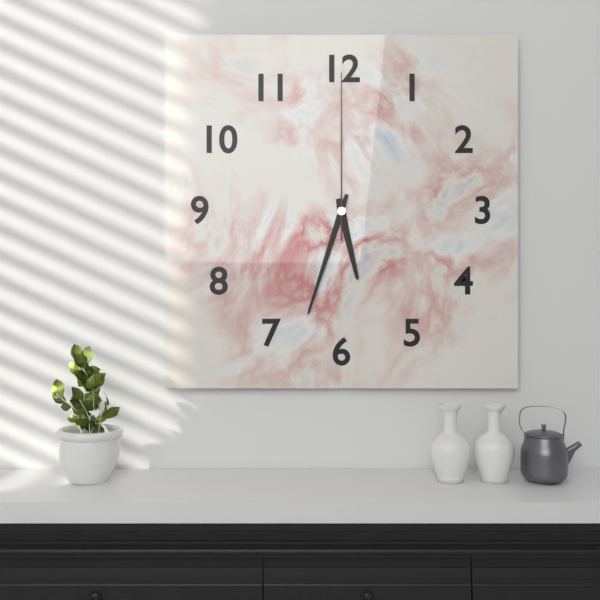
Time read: 5:33:00
